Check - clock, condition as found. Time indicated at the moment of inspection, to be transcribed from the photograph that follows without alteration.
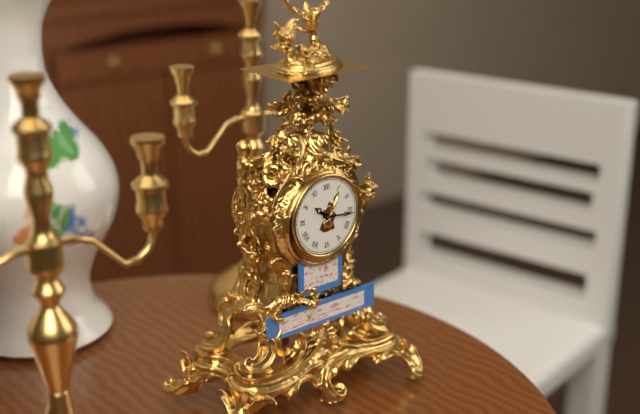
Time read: 10:16
